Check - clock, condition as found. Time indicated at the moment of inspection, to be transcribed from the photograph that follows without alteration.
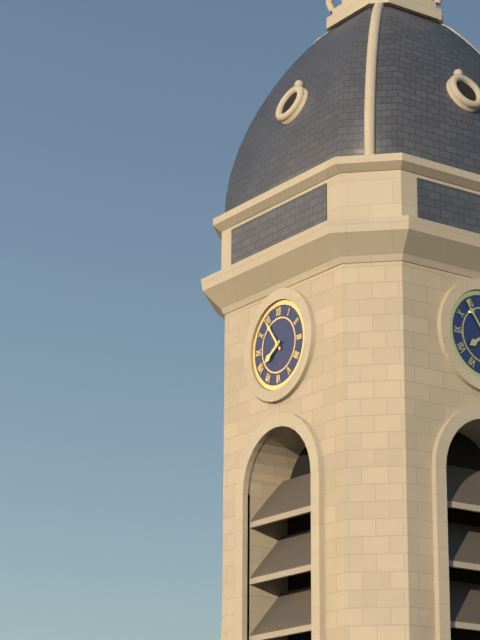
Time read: 7:54
